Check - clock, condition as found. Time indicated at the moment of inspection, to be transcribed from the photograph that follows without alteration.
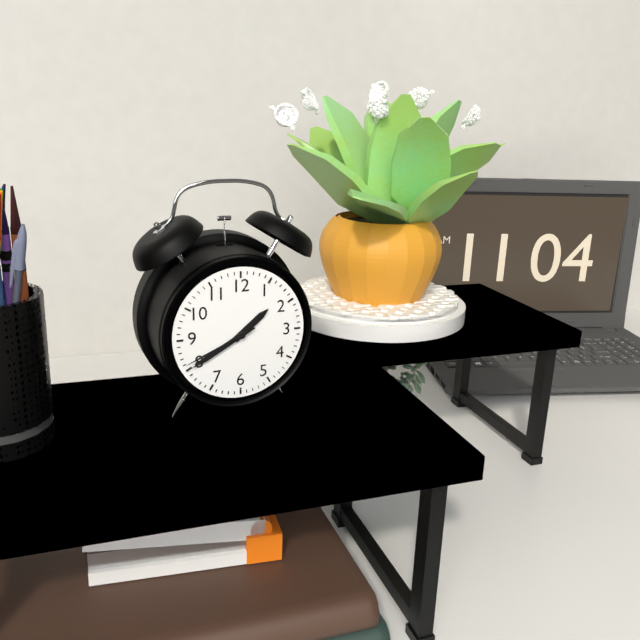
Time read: 1:40:41
